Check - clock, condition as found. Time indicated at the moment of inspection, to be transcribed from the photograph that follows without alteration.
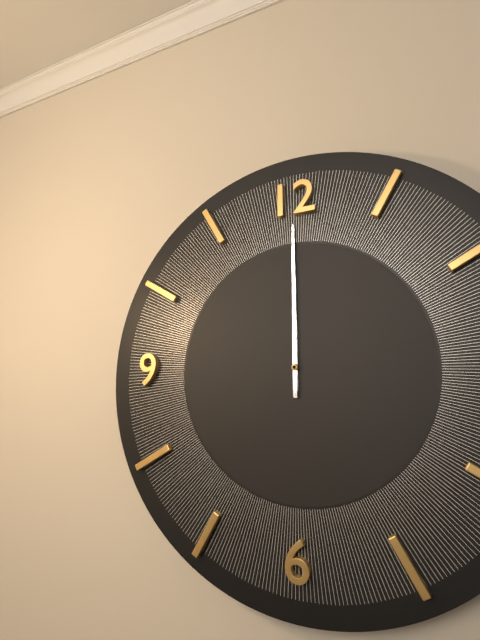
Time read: 12:00
